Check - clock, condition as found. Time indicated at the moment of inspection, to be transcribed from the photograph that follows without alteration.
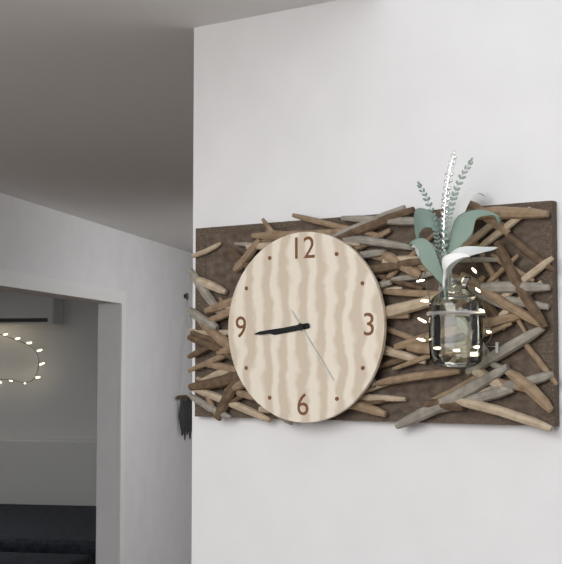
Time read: 8:44:24
